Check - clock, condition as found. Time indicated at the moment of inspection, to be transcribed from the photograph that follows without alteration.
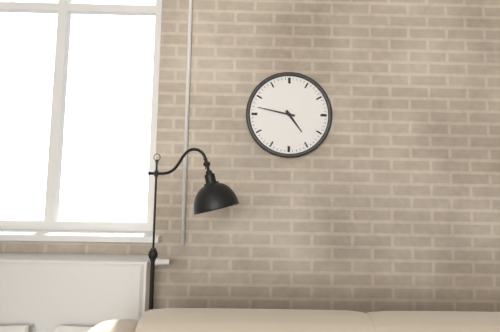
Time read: 4:47
